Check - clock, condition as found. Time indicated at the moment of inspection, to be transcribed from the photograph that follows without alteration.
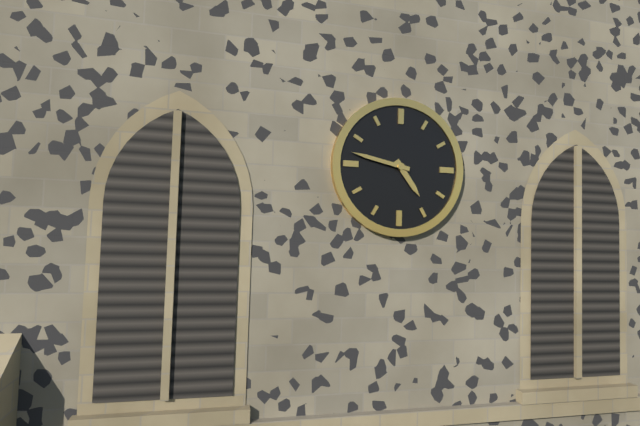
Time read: 4:47
